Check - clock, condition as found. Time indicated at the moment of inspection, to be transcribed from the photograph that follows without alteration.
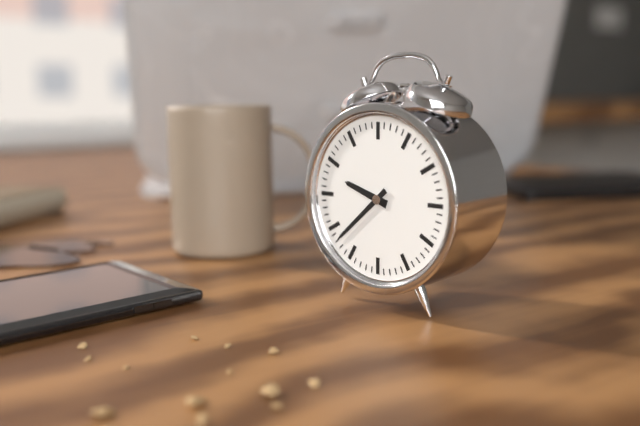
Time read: 9:38
